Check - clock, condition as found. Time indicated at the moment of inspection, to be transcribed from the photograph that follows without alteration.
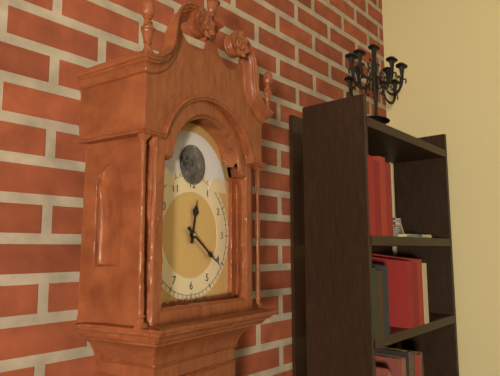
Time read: 12:21
